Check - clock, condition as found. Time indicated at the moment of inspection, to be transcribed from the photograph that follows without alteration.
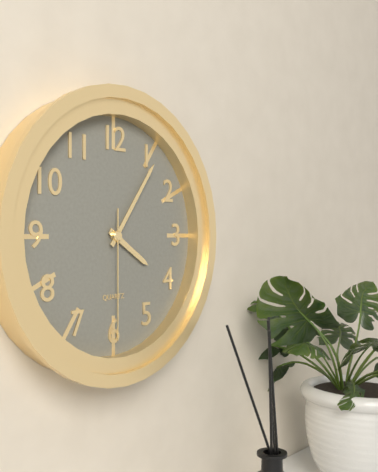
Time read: 4:06:30
